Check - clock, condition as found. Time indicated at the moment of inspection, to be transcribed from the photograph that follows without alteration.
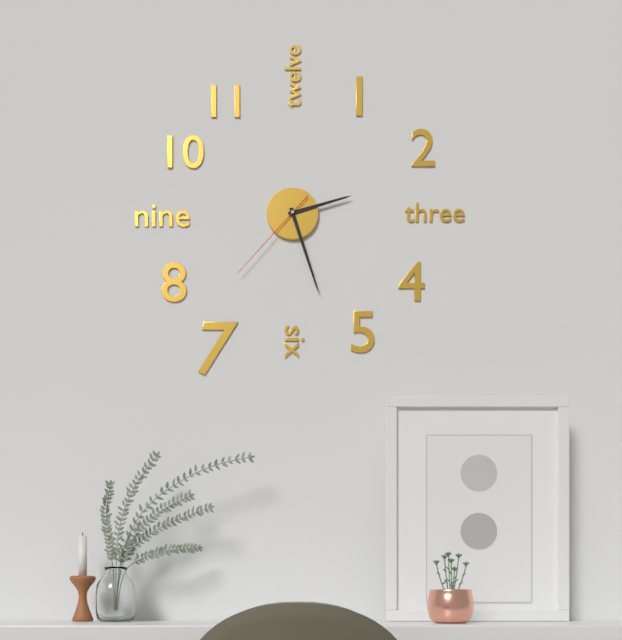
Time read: 2:27:37
